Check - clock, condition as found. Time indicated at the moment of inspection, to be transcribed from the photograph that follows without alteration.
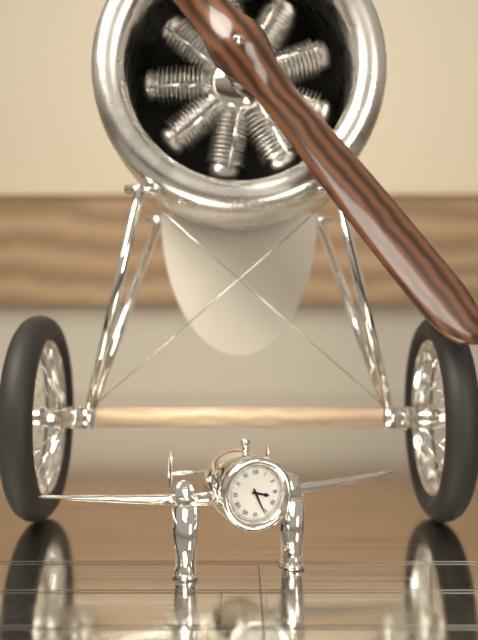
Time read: 3:26
